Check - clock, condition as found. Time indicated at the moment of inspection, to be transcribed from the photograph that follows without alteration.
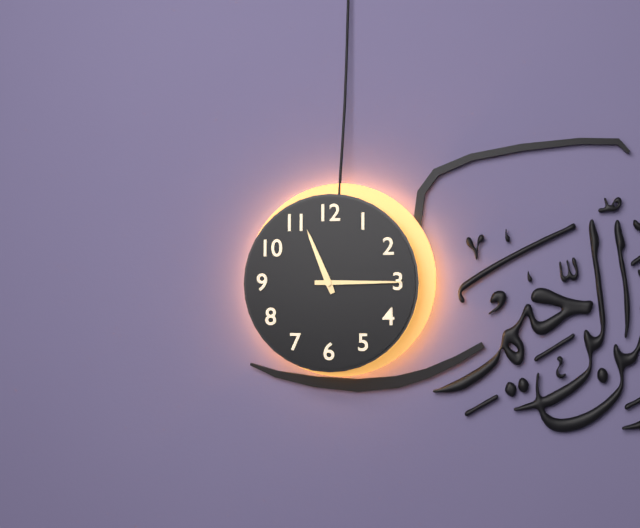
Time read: 11:15
